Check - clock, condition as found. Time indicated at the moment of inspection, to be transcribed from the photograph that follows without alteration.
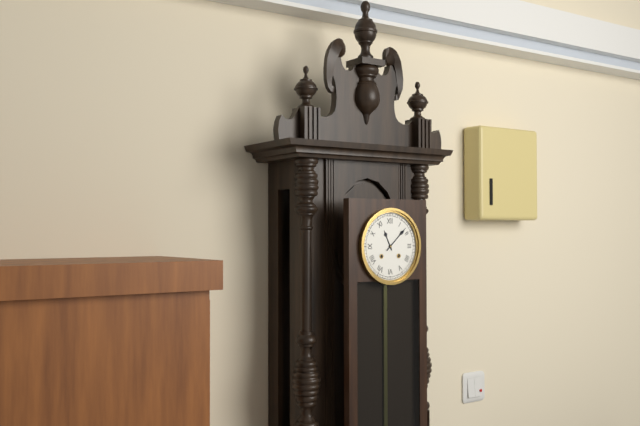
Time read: 11:08
